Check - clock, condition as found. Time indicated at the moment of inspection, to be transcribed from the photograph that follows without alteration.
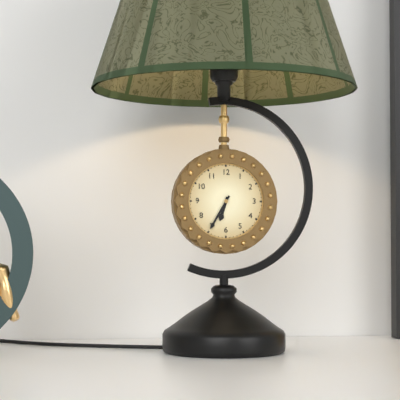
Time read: 6:35
